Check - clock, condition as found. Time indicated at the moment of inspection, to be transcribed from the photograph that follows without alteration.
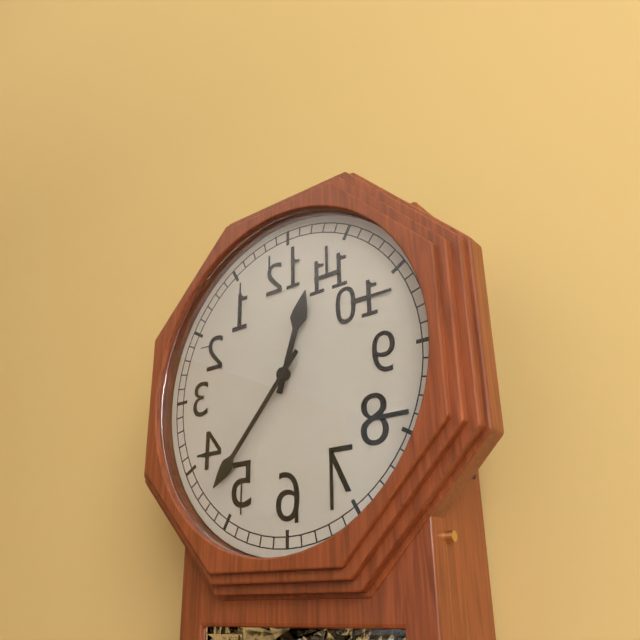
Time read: 12:37
